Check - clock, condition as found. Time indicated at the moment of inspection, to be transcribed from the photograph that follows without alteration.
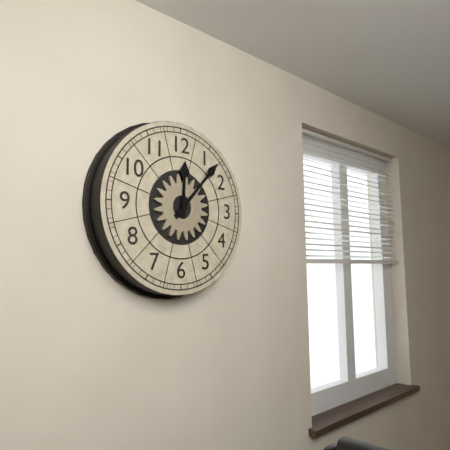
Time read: 12:07
